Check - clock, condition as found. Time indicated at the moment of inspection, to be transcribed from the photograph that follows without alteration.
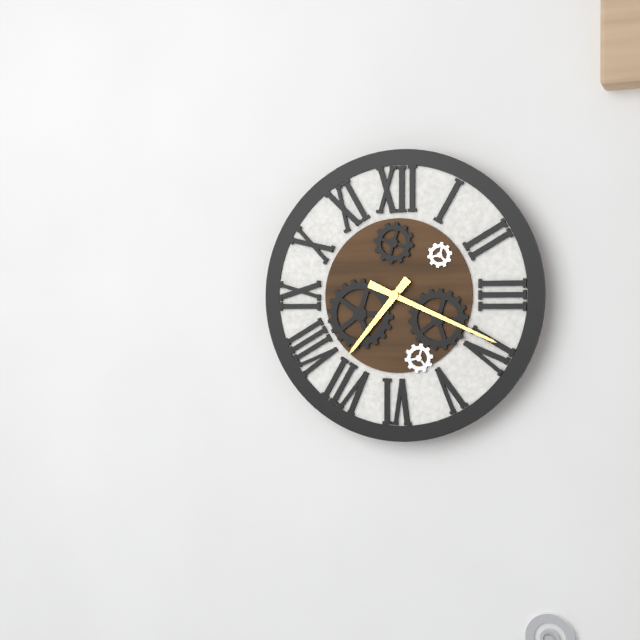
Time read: 7:19
